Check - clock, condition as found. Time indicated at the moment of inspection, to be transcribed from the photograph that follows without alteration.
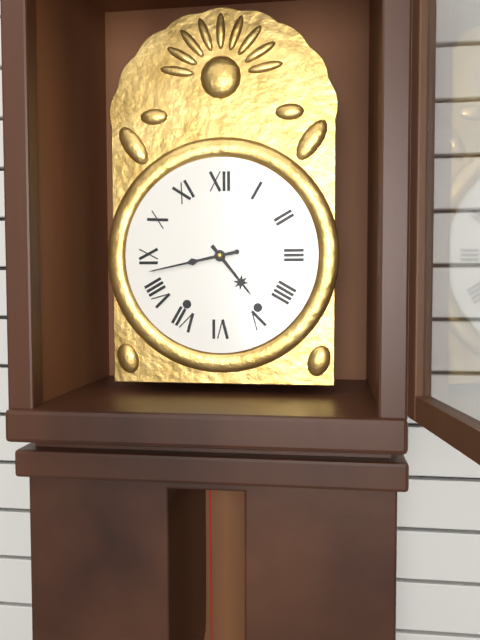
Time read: 4:43
